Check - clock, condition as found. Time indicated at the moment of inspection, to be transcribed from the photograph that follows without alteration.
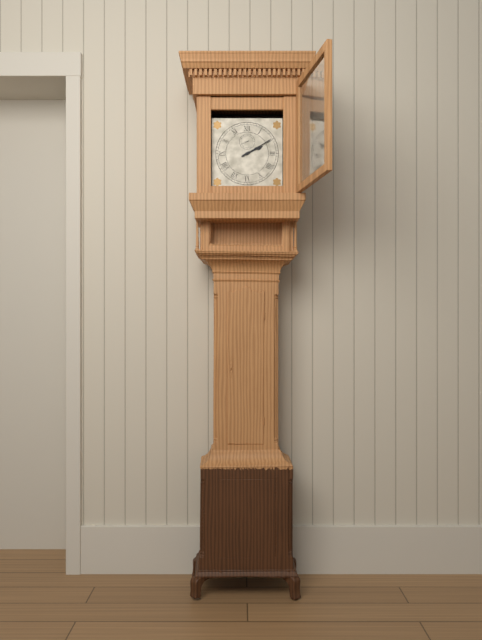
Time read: 2:10
